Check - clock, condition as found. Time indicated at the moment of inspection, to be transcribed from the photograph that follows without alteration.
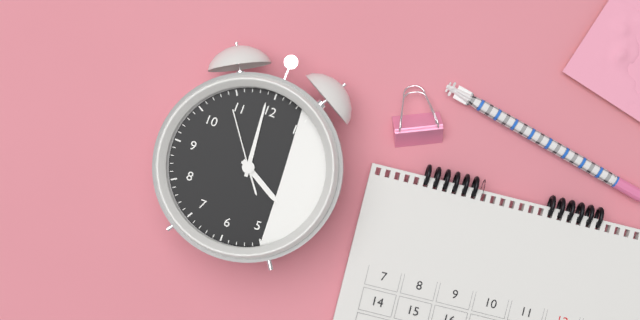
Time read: 3:59:54
